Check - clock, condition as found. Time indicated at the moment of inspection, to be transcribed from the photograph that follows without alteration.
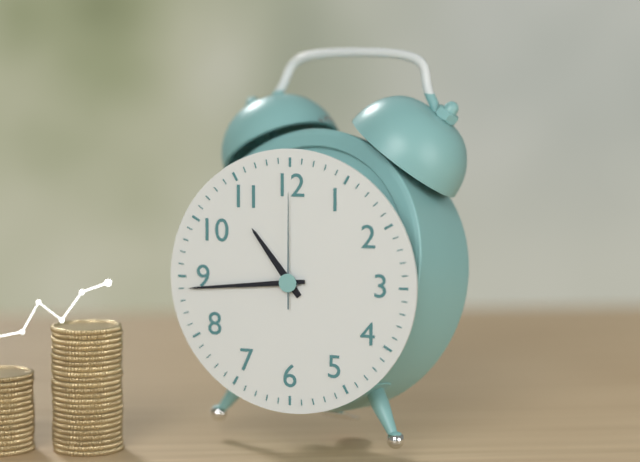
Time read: 10:44:00
